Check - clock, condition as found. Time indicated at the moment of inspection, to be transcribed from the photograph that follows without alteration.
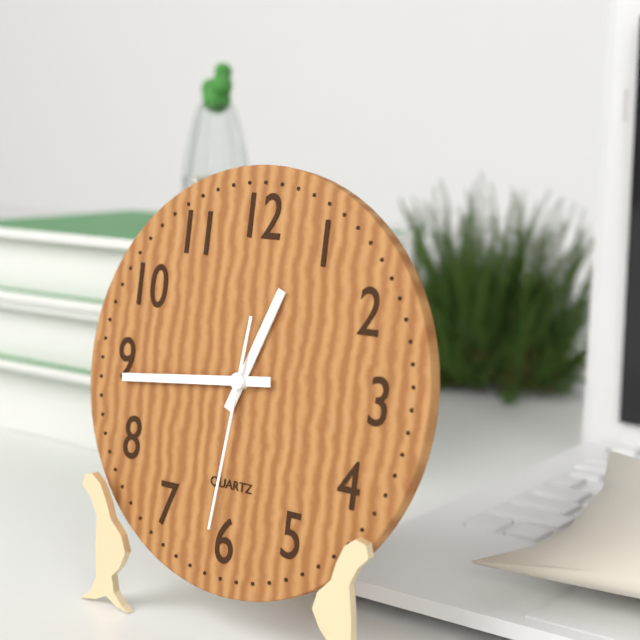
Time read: 12:44:31
